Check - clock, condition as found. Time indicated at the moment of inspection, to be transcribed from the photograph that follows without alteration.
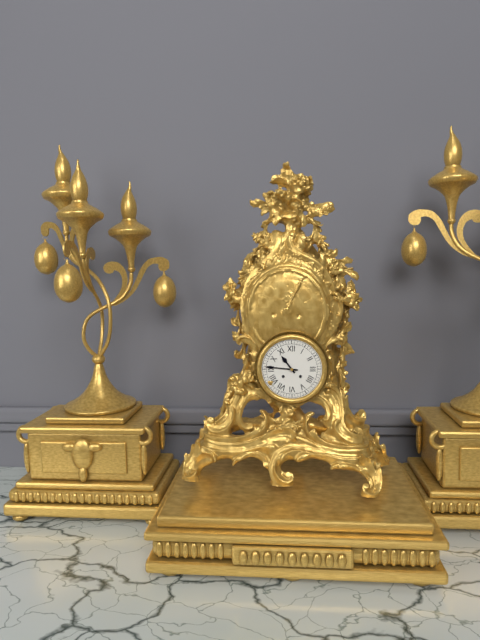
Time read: 10:46
